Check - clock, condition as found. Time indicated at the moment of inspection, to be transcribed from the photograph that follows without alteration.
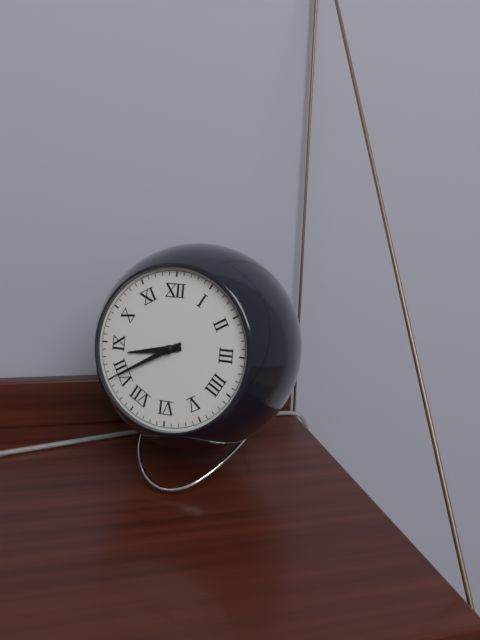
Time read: 8:40
